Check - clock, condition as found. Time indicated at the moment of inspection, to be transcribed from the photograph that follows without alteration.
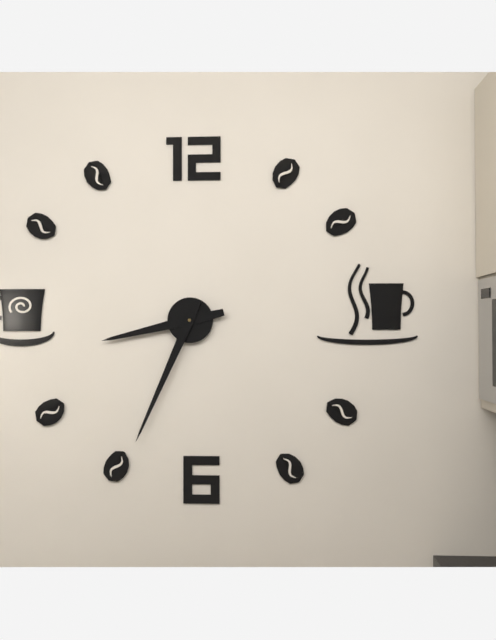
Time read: 8:34
